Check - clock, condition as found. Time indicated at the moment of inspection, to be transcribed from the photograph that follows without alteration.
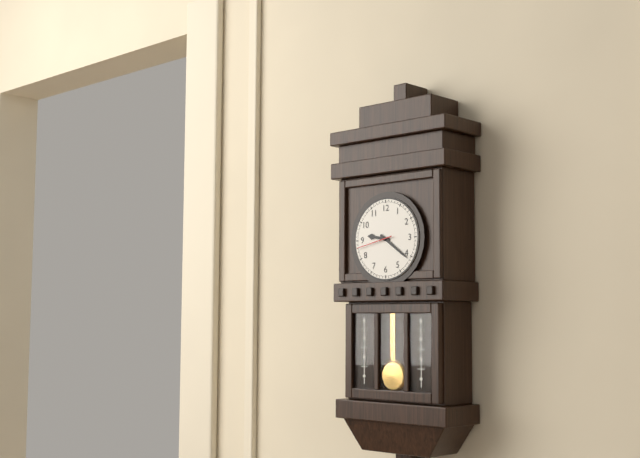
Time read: 9:21
